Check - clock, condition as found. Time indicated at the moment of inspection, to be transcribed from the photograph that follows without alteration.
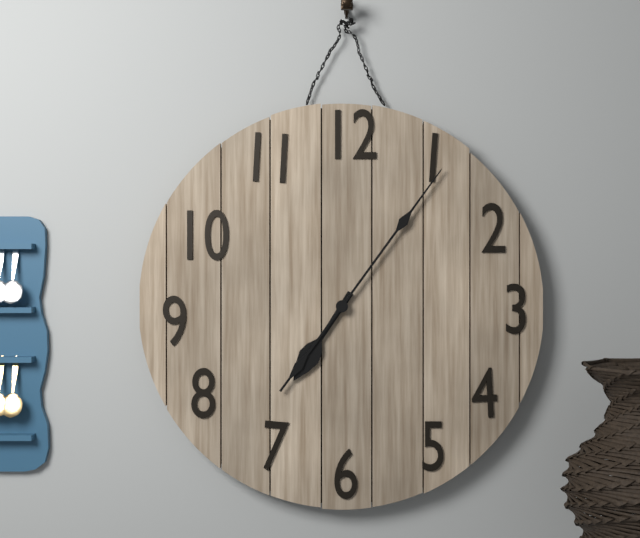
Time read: 7:06
